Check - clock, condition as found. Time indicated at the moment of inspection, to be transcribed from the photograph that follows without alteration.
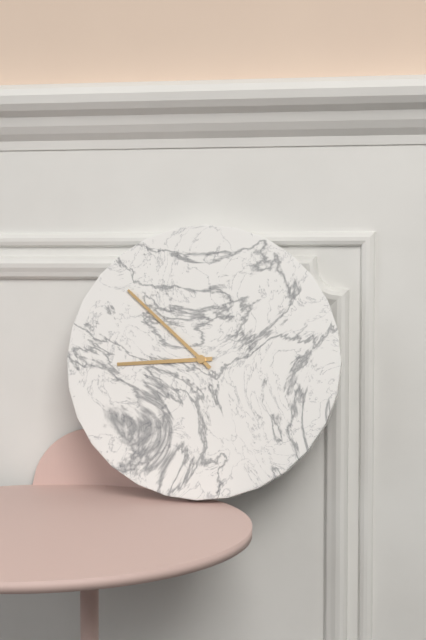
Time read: 8:52
